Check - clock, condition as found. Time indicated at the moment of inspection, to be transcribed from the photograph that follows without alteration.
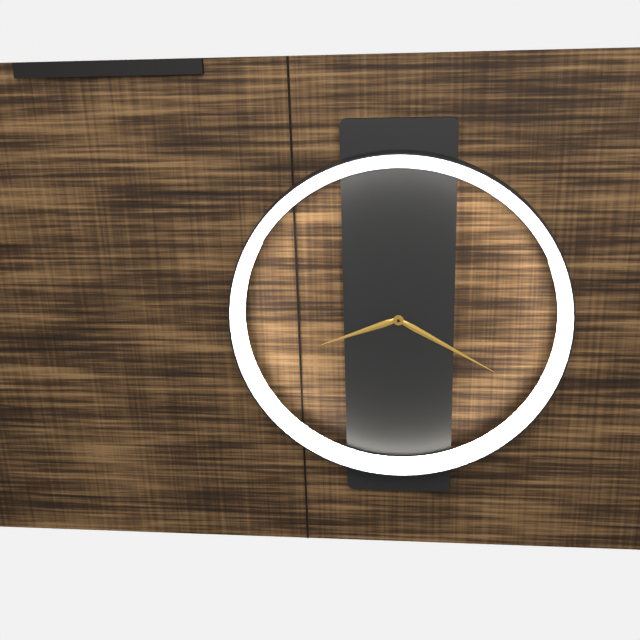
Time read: 8:20
